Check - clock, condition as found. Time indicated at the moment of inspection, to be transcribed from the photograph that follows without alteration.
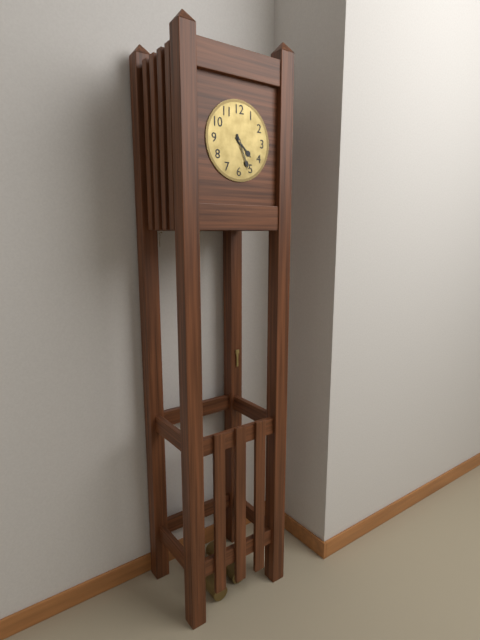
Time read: 4:26
